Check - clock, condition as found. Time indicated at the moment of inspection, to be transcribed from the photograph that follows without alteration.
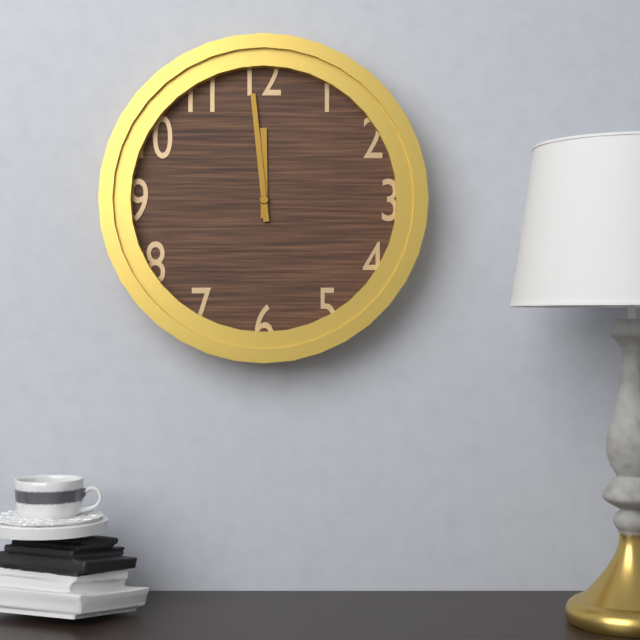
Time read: 11:59
